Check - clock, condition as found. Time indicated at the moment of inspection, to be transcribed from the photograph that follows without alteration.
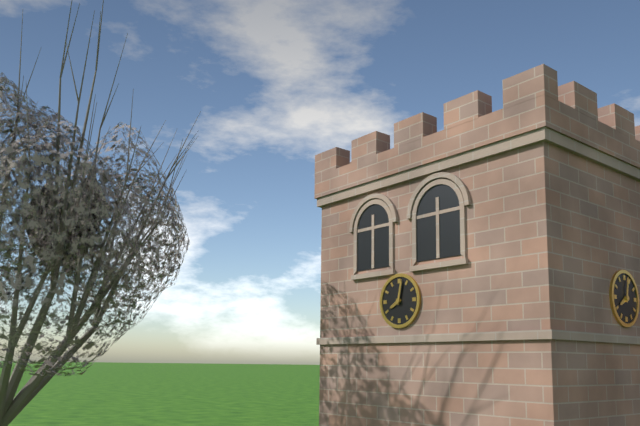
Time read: 8:02
